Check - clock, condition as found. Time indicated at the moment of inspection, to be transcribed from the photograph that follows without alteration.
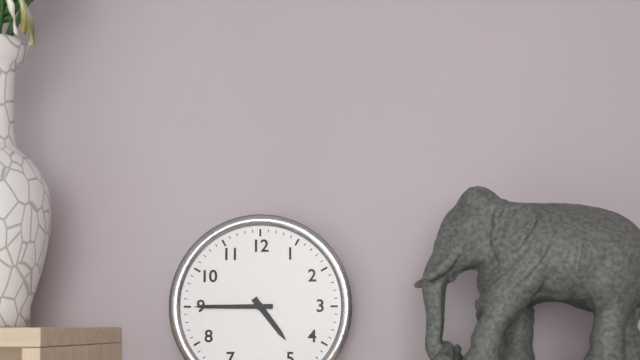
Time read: 4:45
